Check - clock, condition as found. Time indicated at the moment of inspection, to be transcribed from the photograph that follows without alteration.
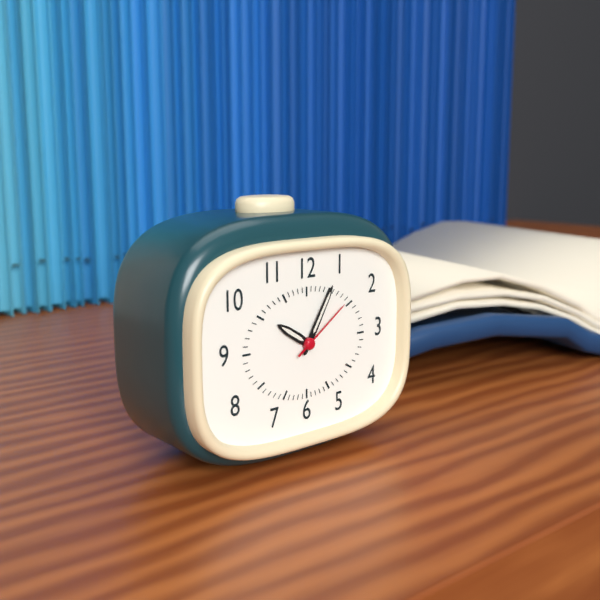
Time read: 10:05:09
